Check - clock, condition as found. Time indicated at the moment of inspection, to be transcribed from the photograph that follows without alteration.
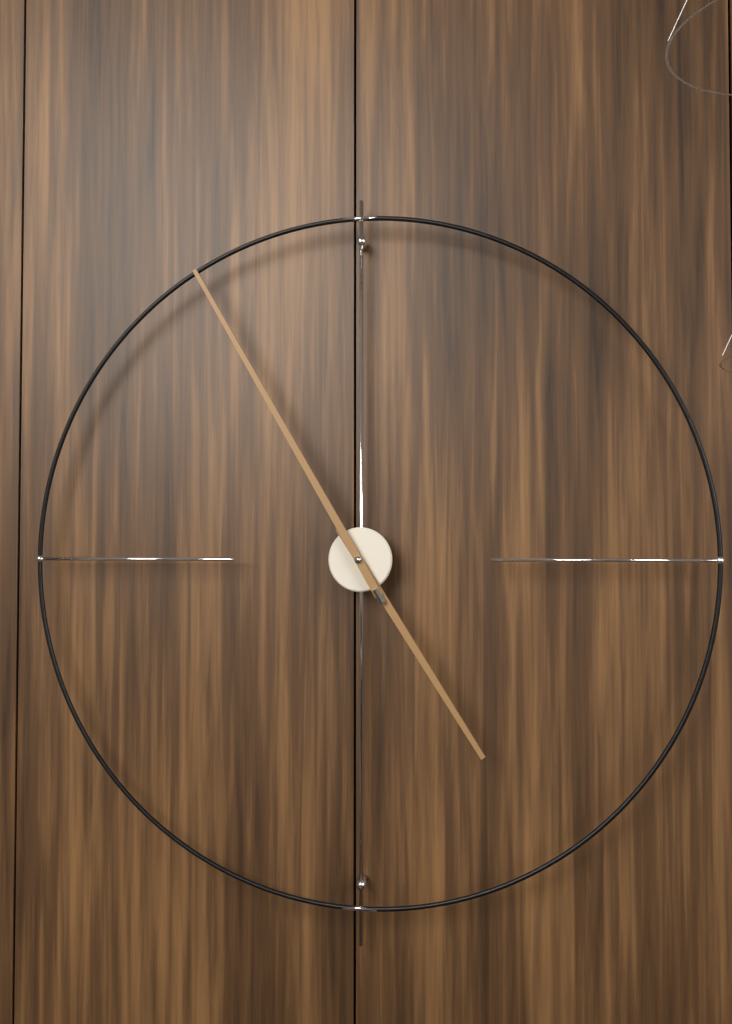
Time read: 4:55
